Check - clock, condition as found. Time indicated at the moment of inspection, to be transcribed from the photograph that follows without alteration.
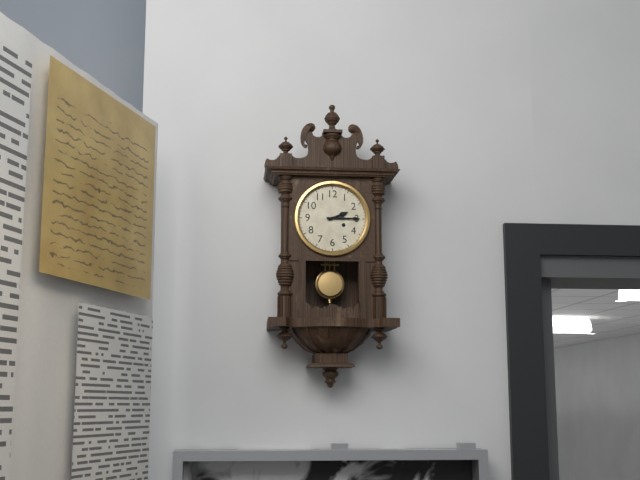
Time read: 2:15
